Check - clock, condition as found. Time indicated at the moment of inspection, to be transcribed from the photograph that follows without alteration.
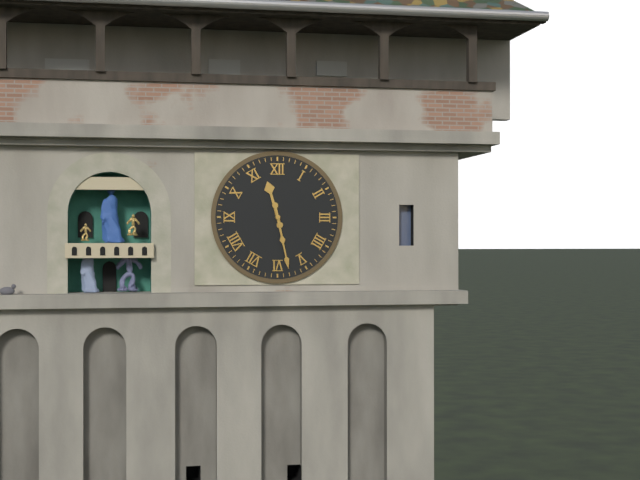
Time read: 11:28
